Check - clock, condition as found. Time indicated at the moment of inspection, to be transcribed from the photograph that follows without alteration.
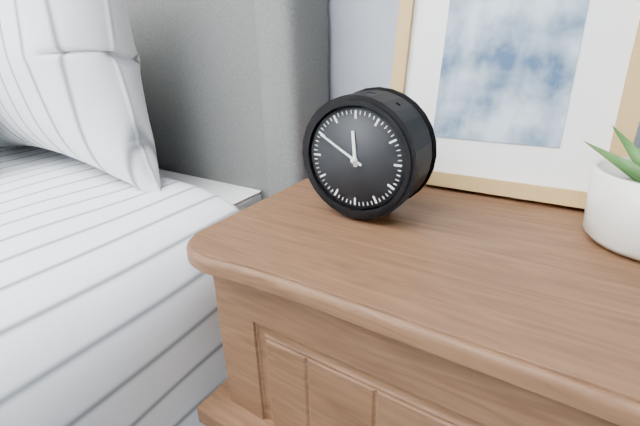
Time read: 11:50
